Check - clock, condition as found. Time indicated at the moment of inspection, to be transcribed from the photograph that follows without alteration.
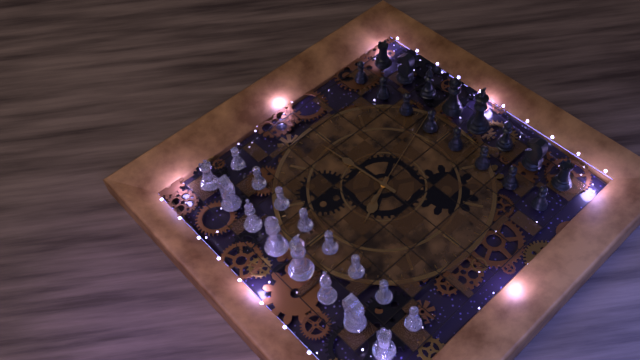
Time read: 11:14:27
